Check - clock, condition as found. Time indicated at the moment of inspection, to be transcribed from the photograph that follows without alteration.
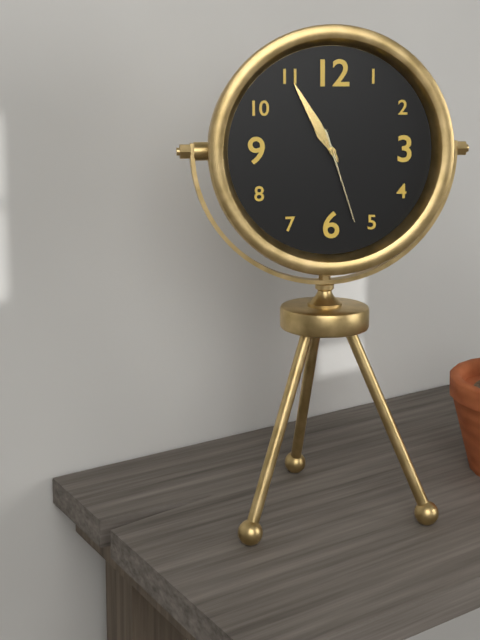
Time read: 10:55:27
